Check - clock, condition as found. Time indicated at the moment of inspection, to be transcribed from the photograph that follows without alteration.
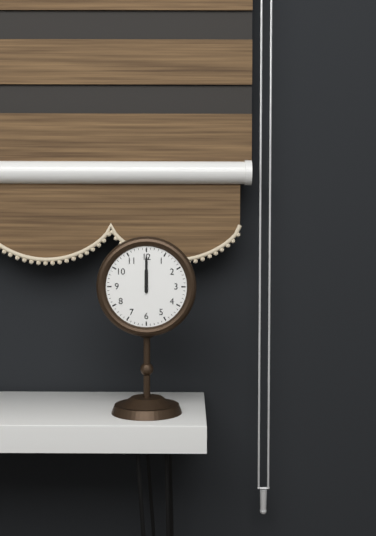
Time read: 12:00
